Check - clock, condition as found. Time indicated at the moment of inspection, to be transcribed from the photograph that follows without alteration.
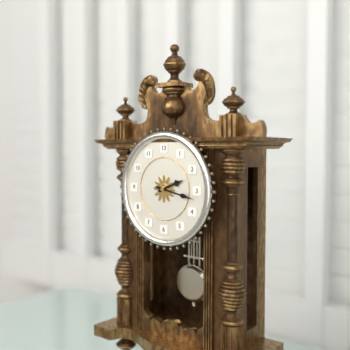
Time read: 2:17
